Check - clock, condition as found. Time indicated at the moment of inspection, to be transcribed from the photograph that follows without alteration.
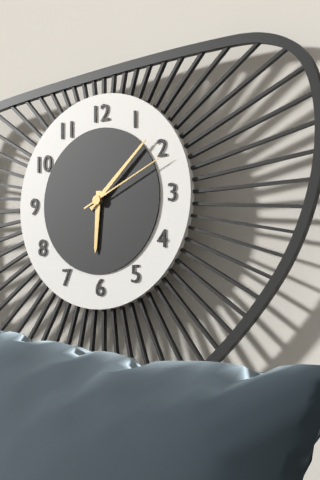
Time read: 6:08:11
